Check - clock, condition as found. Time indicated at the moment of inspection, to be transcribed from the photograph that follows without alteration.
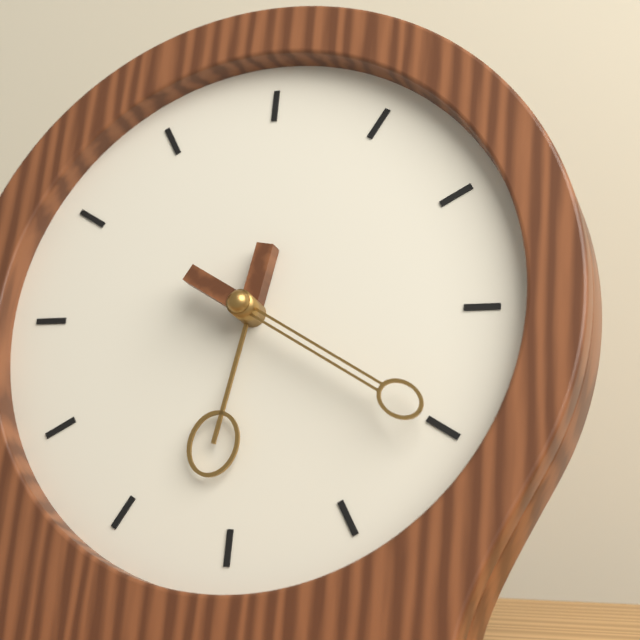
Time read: 6:20
